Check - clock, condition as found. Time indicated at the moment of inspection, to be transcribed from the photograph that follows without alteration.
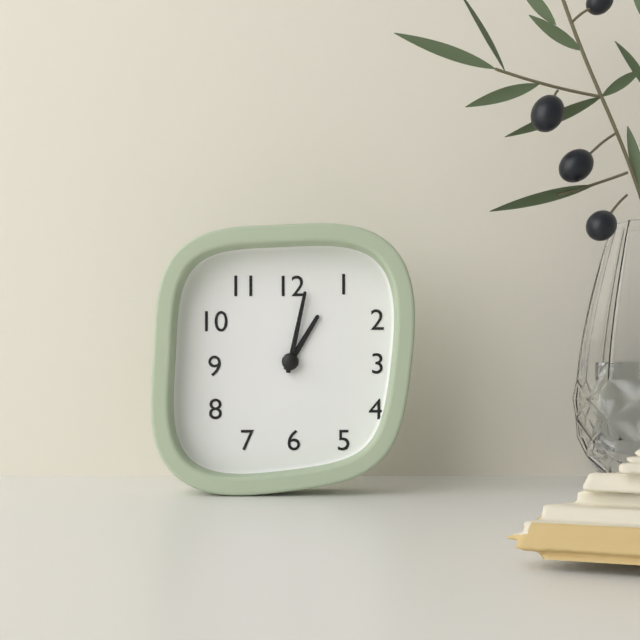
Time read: 1:02
